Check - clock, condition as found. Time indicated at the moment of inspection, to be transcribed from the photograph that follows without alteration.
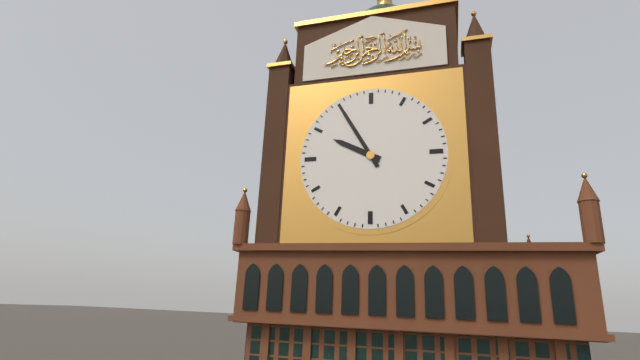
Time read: 9:55
